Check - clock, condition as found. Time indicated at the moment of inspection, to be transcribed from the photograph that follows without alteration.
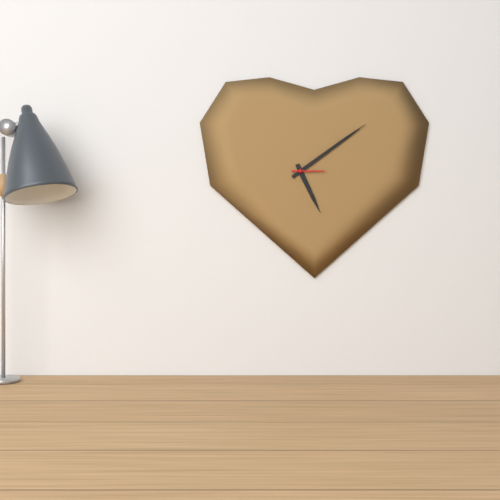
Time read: 5:09
